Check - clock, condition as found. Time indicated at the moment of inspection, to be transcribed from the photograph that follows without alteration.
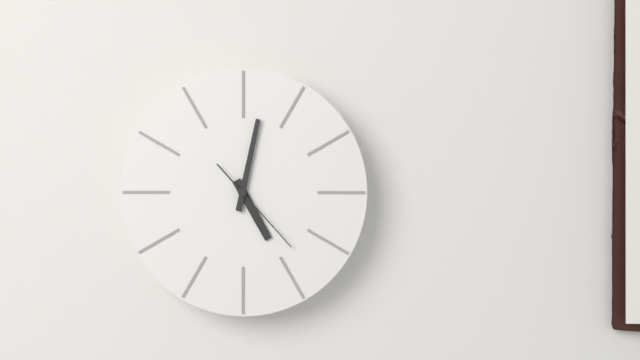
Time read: 5:02:23
